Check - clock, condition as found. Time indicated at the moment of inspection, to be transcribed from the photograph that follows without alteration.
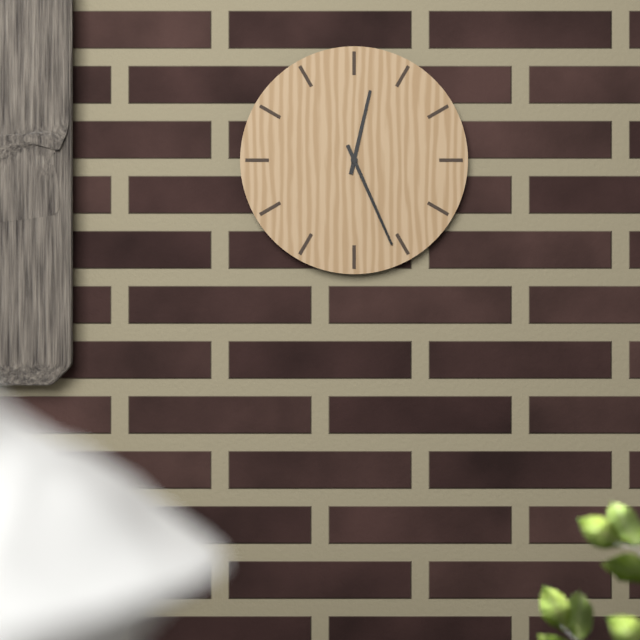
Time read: 12:26
